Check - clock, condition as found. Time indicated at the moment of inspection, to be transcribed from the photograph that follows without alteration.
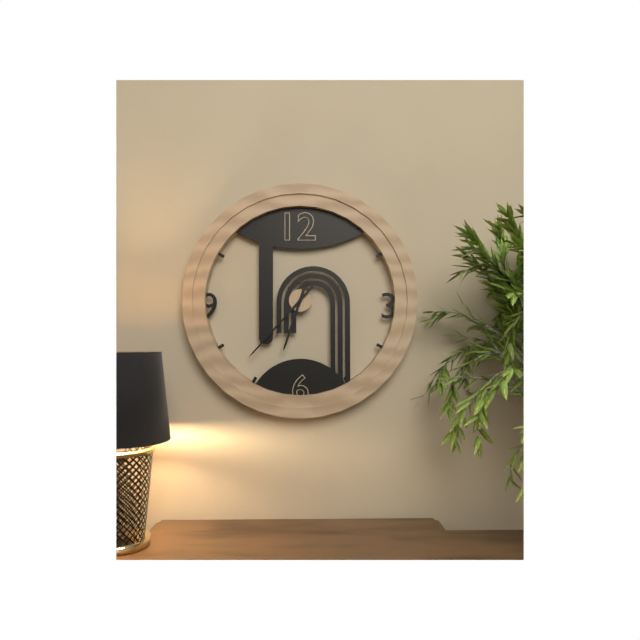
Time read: 6:37
